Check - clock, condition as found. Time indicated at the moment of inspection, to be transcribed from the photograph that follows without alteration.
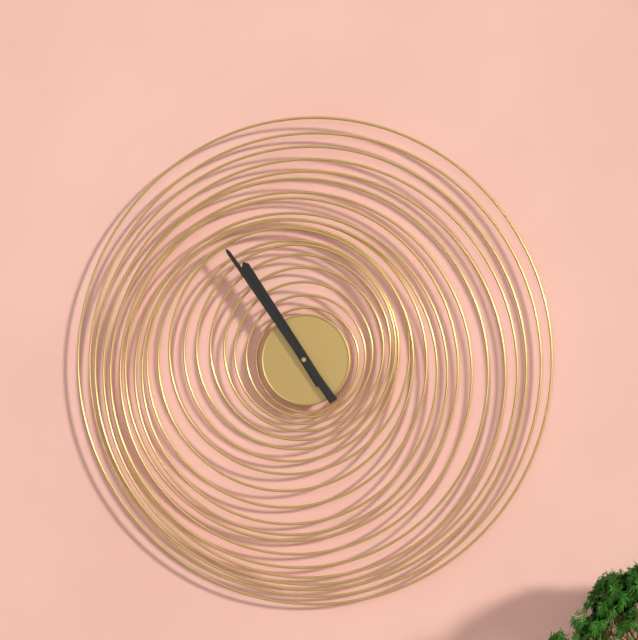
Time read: 10:54
